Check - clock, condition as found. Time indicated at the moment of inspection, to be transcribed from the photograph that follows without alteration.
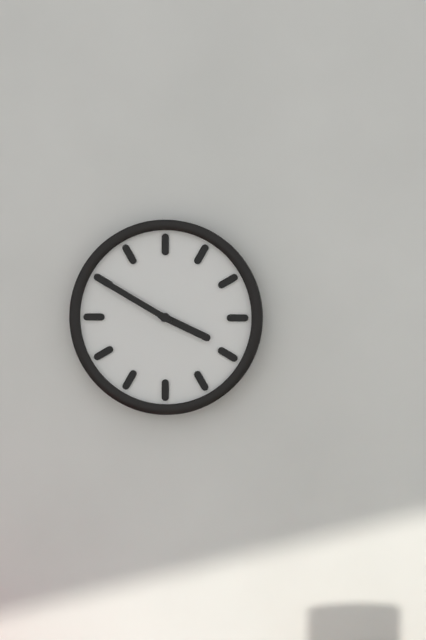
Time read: 3:50
